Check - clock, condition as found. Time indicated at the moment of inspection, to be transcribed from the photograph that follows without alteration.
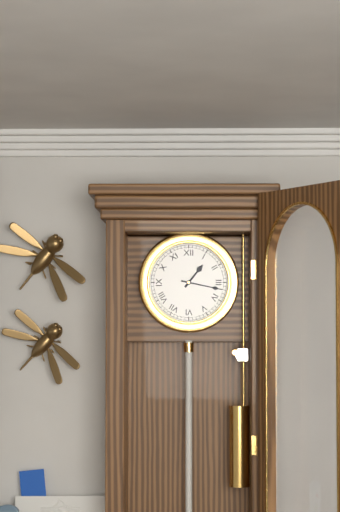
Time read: 1:17
